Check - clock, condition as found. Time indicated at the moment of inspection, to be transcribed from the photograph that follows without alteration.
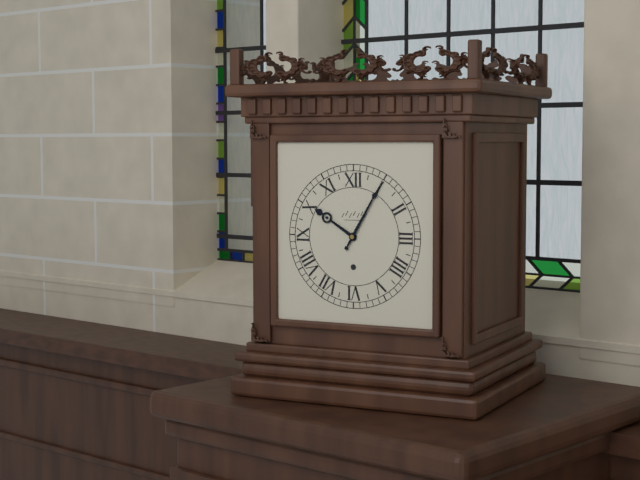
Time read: 10:05
